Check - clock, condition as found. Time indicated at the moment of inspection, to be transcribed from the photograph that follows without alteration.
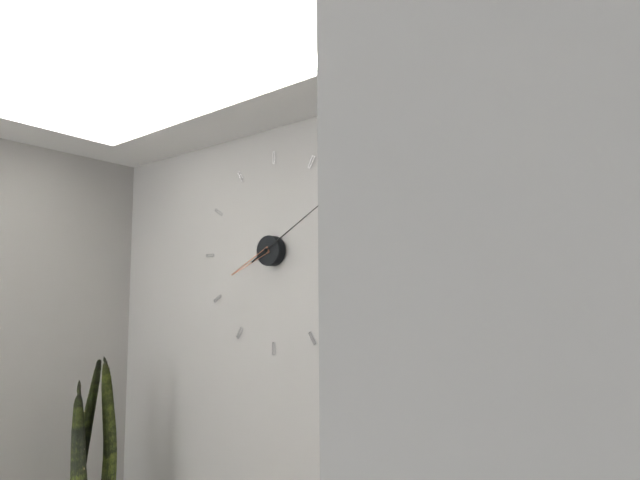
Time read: 8:10
